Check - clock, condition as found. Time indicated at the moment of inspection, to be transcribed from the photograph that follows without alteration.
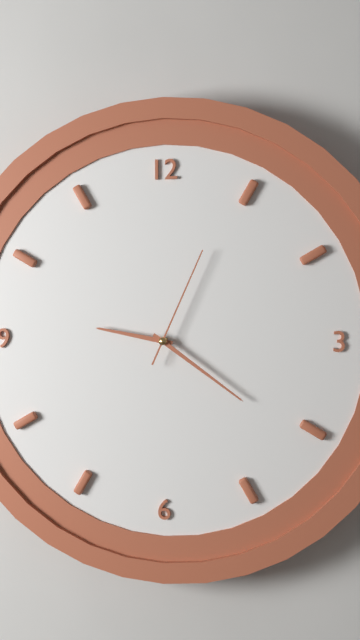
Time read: 9:21:04
